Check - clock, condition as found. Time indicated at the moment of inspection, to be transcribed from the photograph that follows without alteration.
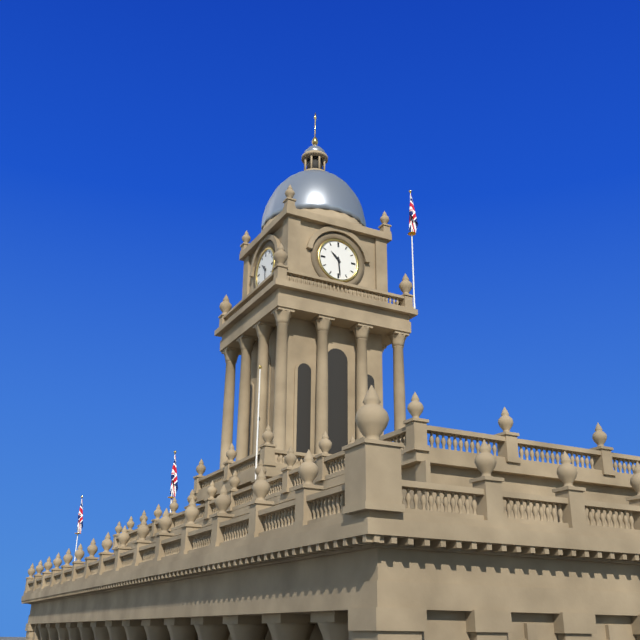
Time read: 10:29
